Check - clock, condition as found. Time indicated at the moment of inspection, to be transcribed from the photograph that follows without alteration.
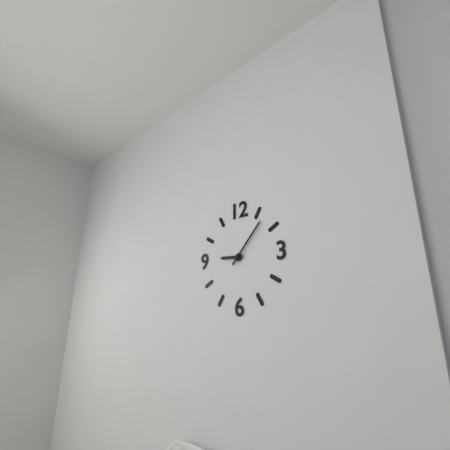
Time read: 9:07
